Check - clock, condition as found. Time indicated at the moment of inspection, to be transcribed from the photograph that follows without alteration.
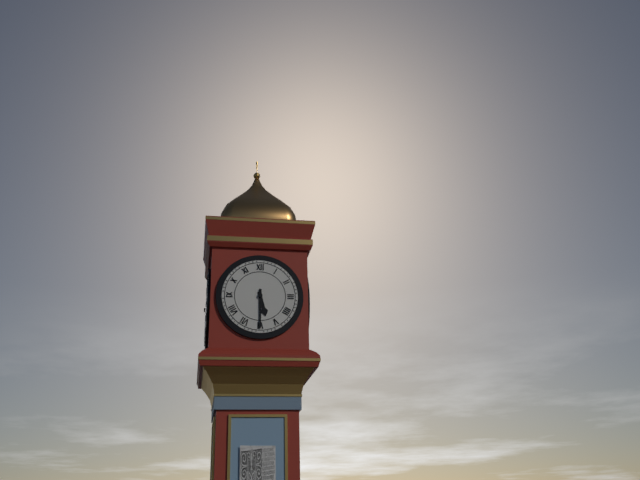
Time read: 5:30
